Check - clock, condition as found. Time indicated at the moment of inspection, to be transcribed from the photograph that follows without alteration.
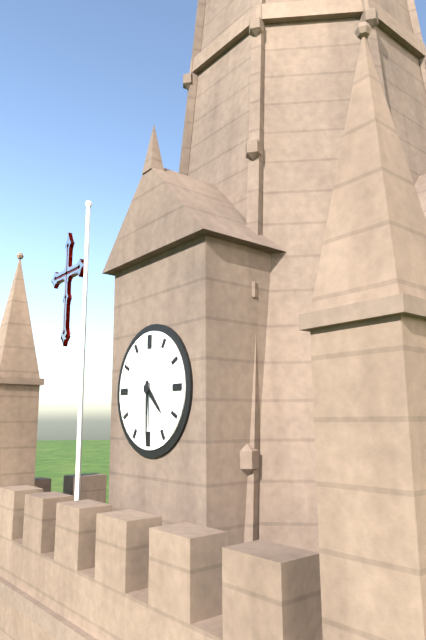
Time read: 4:30
